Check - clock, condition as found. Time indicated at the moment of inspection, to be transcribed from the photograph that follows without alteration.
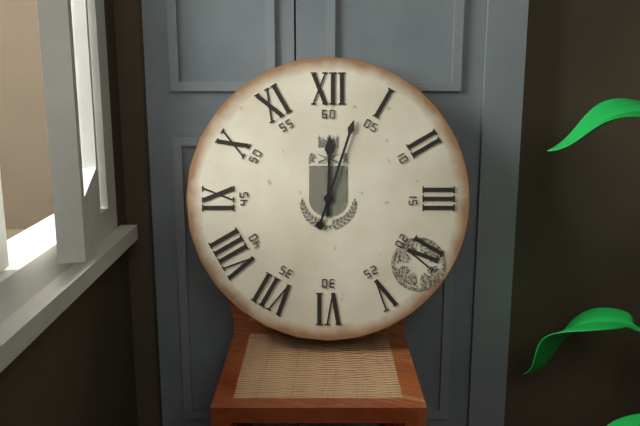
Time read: 12:03
